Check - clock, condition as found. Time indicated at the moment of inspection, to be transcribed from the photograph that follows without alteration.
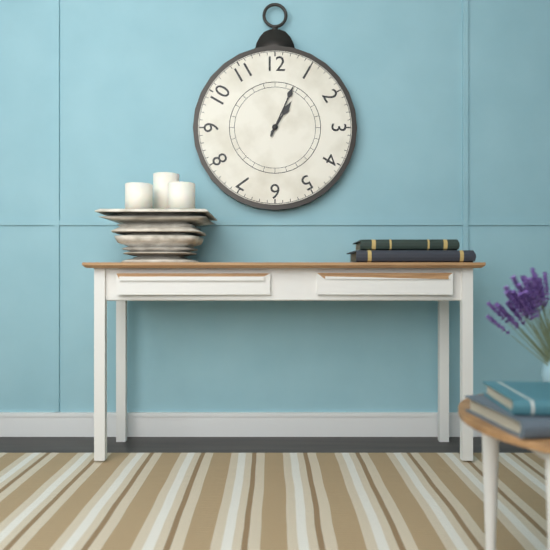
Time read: 1:04
